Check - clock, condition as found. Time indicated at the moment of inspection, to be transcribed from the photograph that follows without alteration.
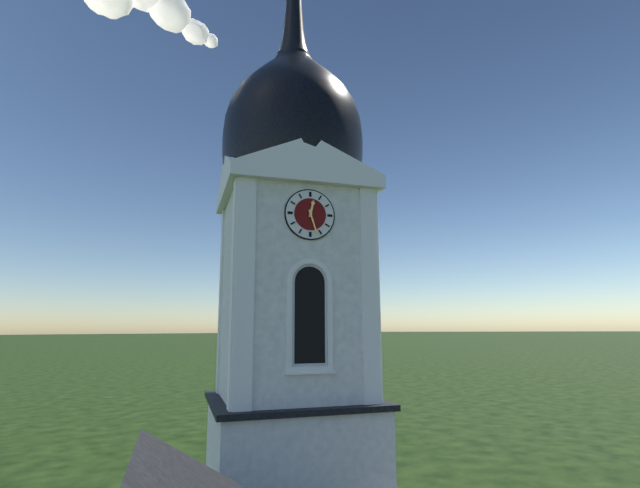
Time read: 12:27
